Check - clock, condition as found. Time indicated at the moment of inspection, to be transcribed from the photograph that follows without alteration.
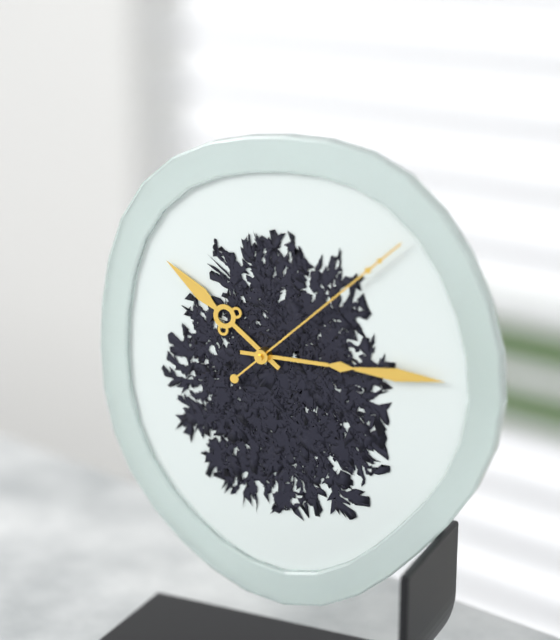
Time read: 10:15:08
